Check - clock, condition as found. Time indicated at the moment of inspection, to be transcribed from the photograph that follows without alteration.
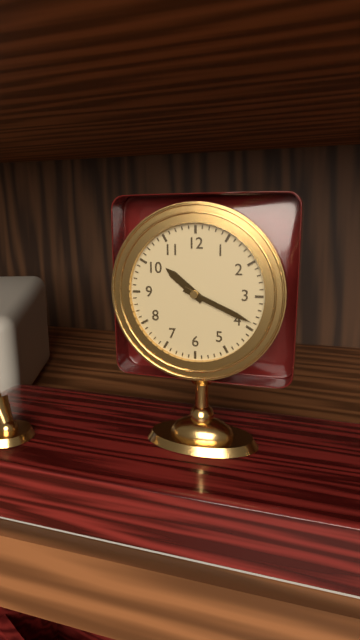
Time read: 10:19
